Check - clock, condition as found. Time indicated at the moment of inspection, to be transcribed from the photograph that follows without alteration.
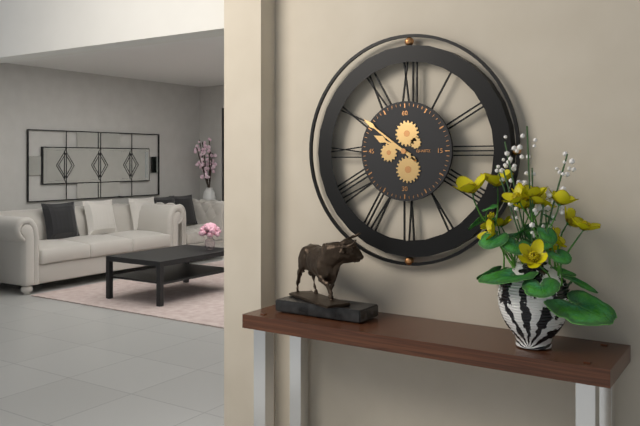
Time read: 9:51
